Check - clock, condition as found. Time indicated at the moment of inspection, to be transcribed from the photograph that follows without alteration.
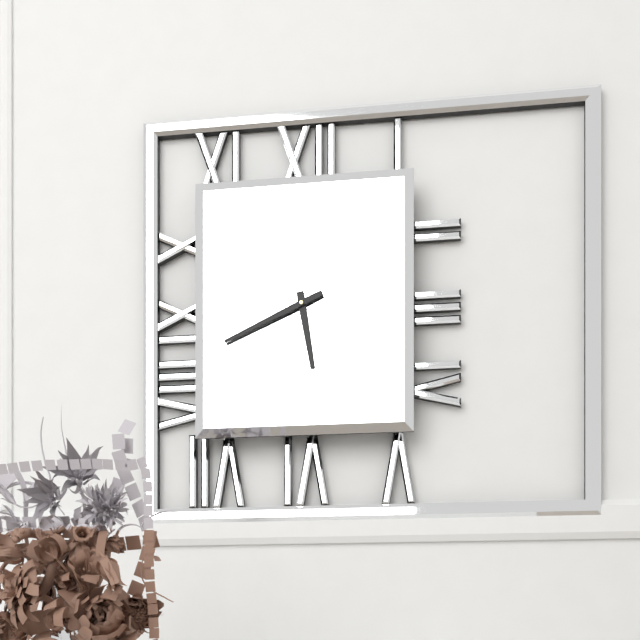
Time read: 5:41
